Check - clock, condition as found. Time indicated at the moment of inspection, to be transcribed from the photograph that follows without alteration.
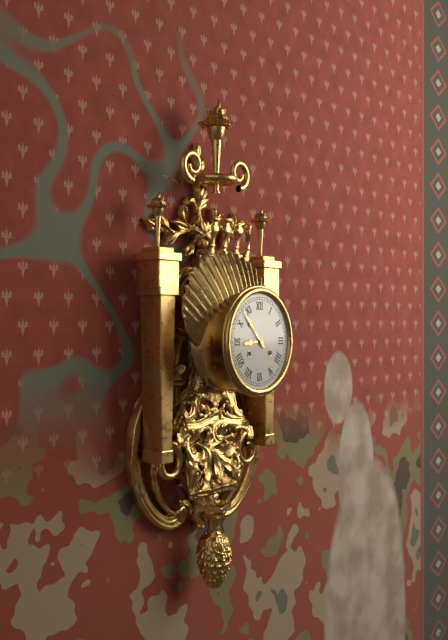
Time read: 8:53
